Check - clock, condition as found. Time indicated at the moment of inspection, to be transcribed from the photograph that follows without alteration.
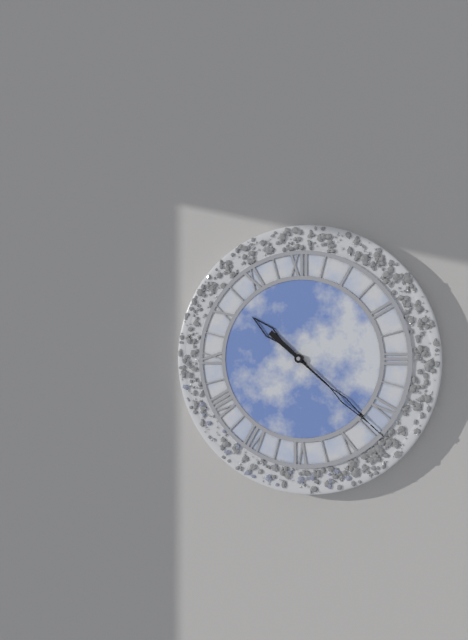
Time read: 10:22
